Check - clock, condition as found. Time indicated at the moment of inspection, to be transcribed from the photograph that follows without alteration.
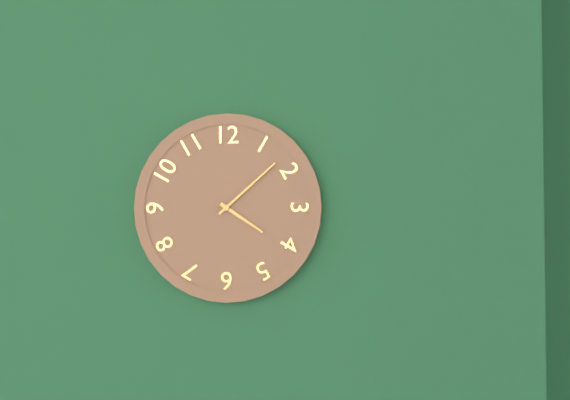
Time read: 4:08
